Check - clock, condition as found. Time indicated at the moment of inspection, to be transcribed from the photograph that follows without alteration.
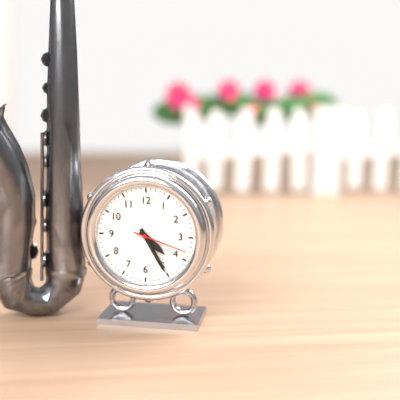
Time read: 4:25:18
